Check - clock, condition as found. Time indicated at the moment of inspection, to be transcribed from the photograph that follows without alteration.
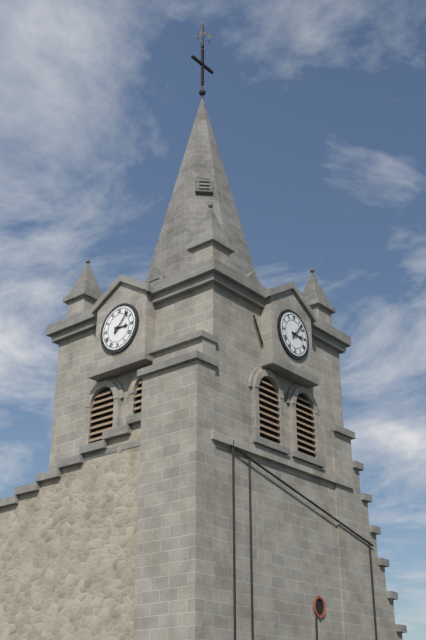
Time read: 3:07
